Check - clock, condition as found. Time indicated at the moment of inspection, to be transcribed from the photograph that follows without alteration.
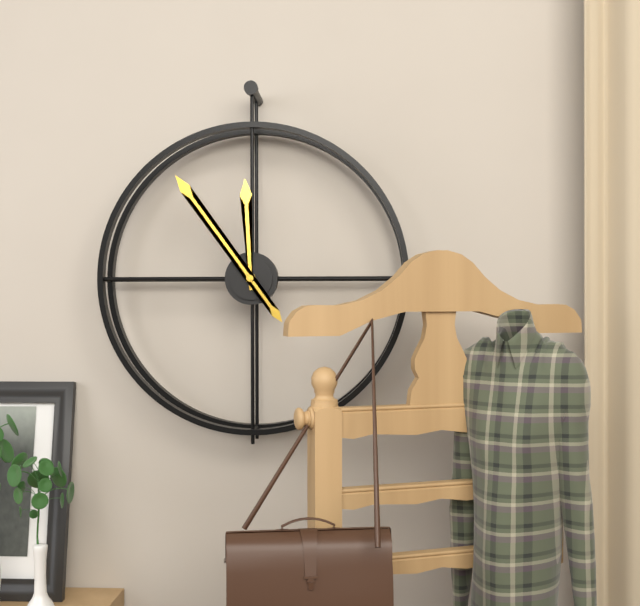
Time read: 11:54
